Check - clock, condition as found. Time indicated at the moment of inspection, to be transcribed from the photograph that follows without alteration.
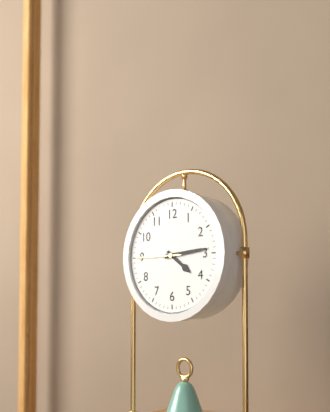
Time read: 4:14
